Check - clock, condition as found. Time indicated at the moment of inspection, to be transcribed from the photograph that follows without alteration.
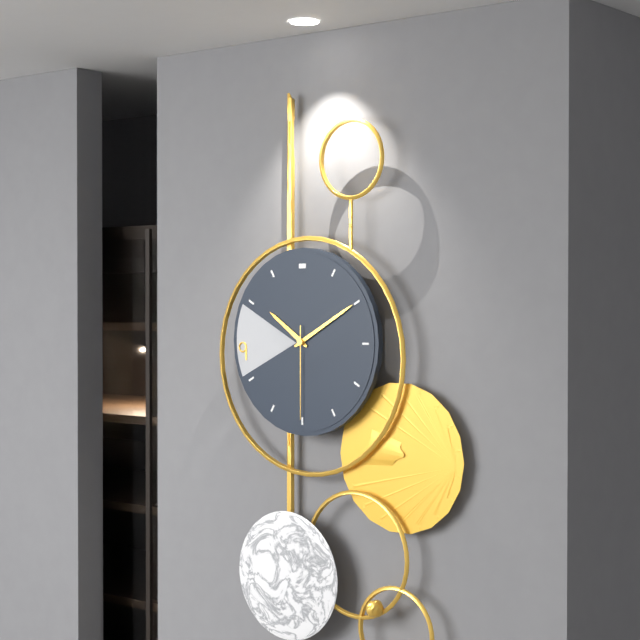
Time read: 10:10:30
